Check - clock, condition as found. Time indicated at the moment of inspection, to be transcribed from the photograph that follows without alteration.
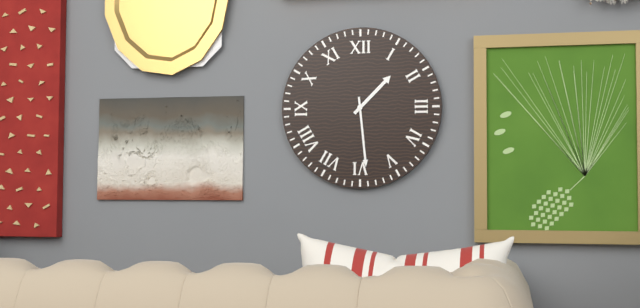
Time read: 1:29
